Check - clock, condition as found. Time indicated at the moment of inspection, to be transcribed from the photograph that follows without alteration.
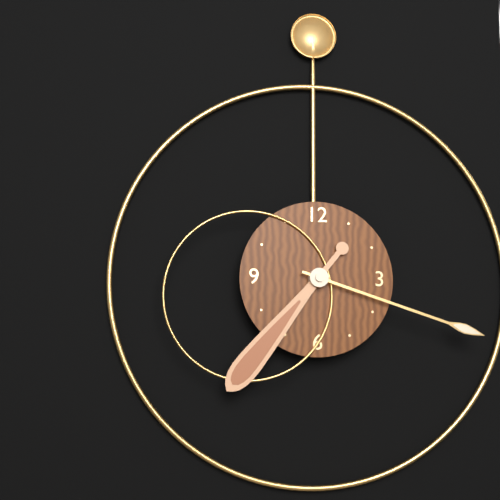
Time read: 7:18
